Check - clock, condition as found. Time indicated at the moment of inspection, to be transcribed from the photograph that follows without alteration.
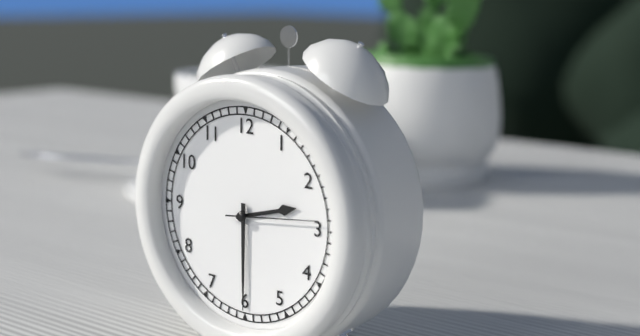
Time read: 2:30:14
